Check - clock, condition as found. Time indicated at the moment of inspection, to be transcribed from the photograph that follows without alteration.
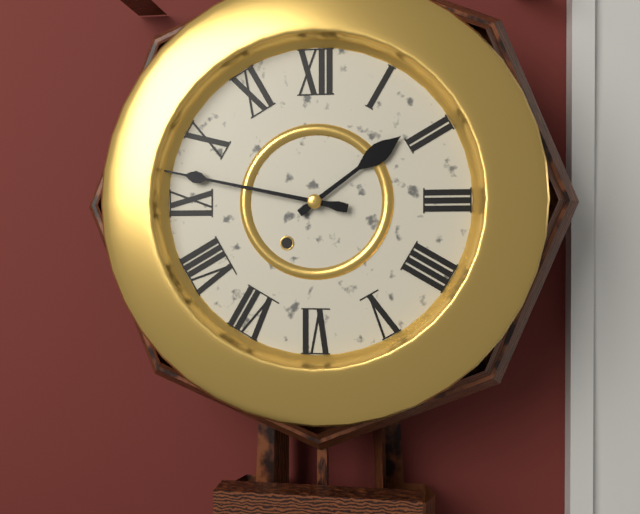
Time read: 1:47
